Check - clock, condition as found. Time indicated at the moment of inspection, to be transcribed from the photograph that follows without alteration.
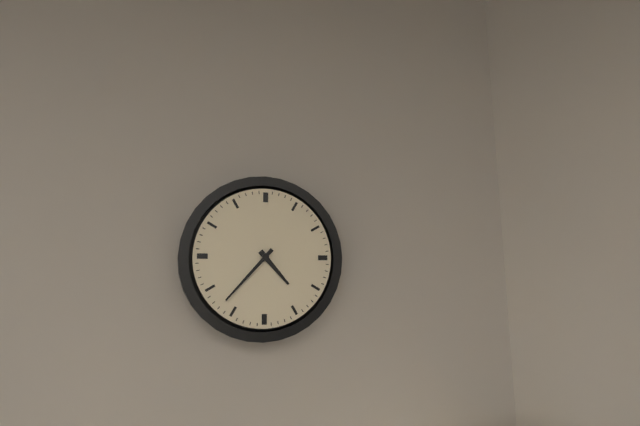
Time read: 4:37
